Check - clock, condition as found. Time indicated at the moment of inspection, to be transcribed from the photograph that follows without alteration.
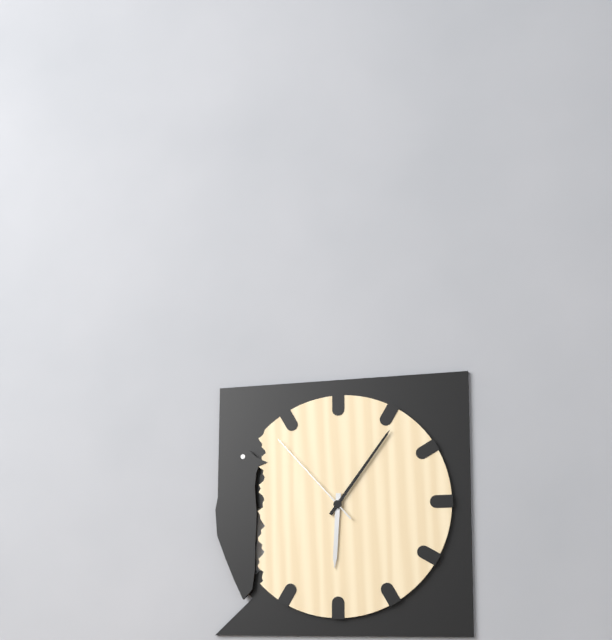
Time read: 6:06:53
